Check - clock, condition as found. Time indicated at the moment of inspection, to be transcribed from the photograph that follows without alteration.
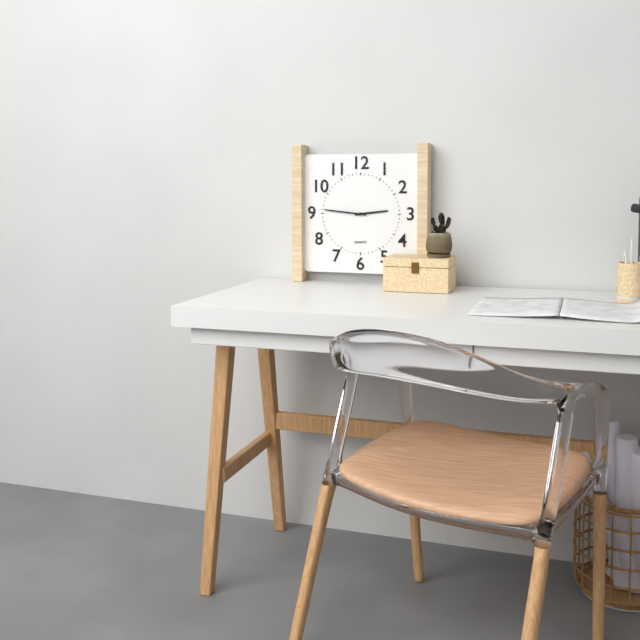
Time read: 2:46
